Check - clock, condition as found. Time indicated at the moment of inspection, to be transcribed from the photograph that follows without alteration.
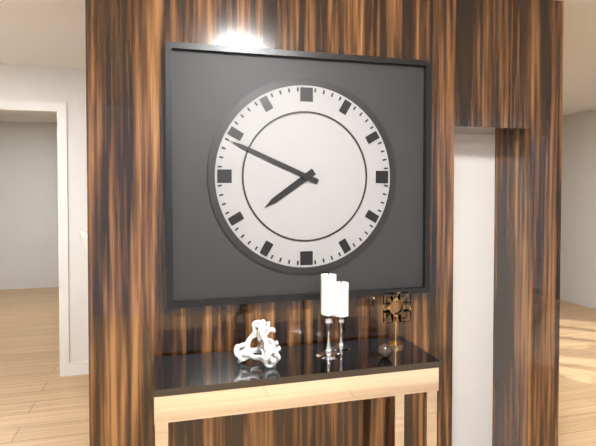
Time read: 7:49
